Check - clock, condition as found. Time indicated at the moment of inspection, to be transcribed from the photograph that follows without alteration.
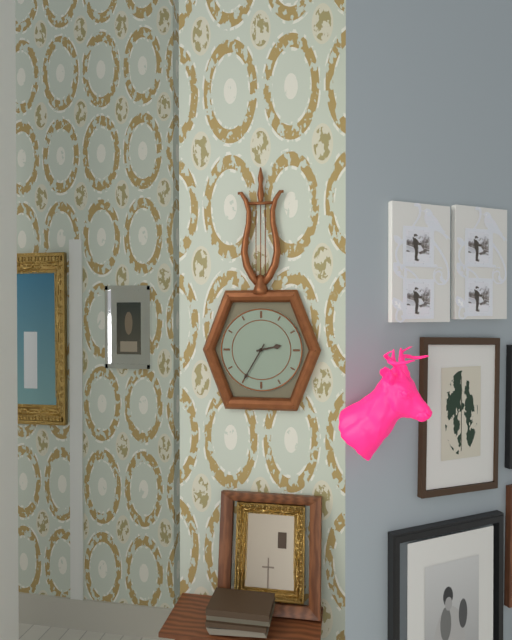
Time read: 2:35
